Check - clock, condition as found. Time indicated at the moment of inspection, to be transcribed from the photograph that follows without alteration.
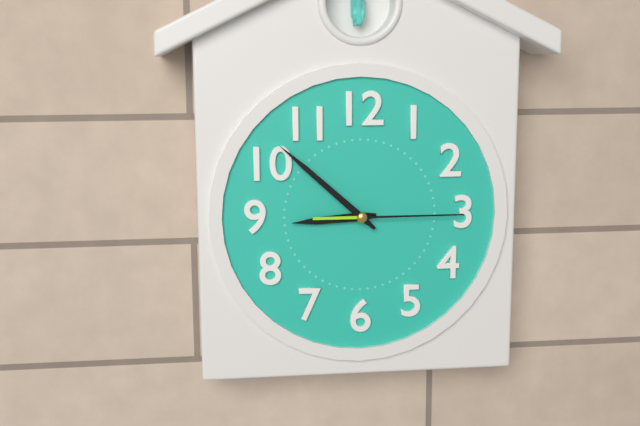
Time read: 8:52:15
